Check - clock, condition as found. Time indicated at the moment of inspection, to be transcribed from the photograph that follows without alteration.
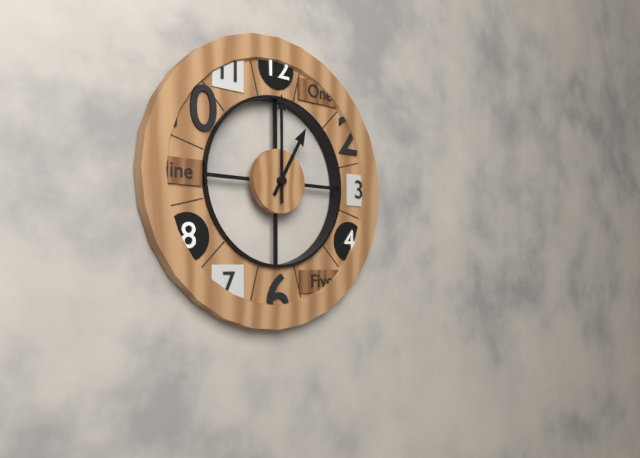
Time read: 1:00
